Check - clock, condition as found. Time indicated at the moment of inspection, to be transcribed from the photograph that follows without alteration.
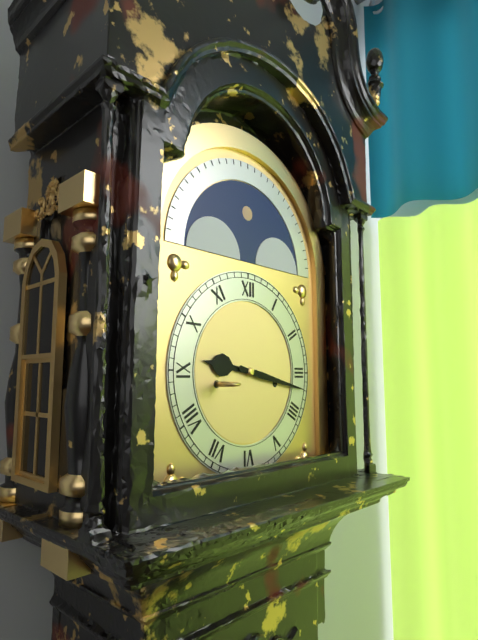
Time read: 9:17
